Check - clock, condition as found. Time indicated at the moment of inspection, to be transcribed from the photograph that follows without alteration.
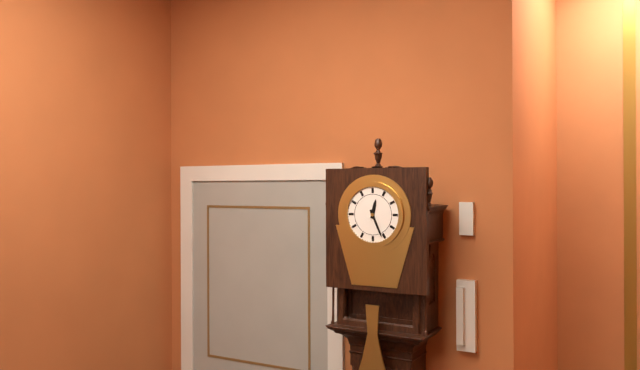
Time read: 12:26
